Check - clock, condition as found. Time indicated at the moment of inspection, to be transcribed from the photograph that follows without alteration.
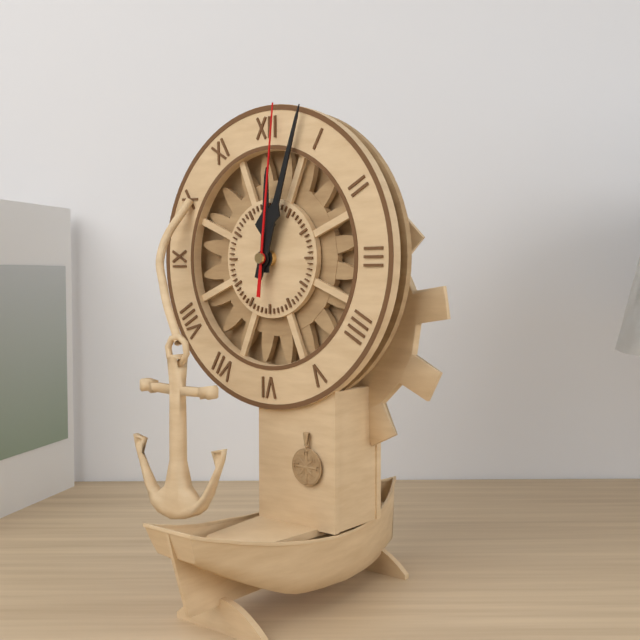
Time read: 12:03:01
